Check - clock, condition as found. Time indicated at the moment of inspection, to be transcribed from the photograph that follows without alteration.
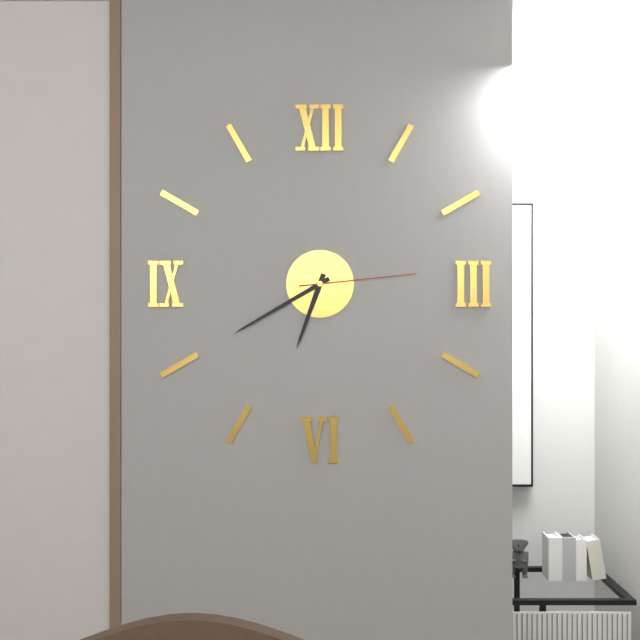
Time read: 6:40:14
